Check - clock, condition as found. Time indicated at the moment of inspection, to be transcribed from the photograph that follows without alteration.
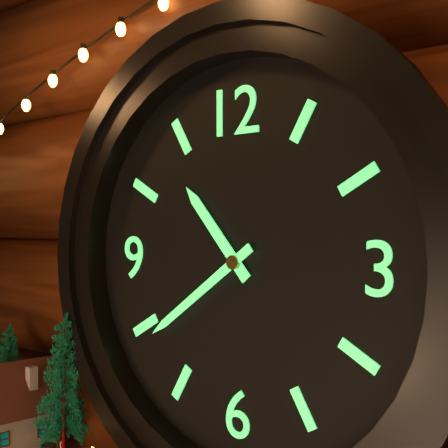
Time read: 10:39
